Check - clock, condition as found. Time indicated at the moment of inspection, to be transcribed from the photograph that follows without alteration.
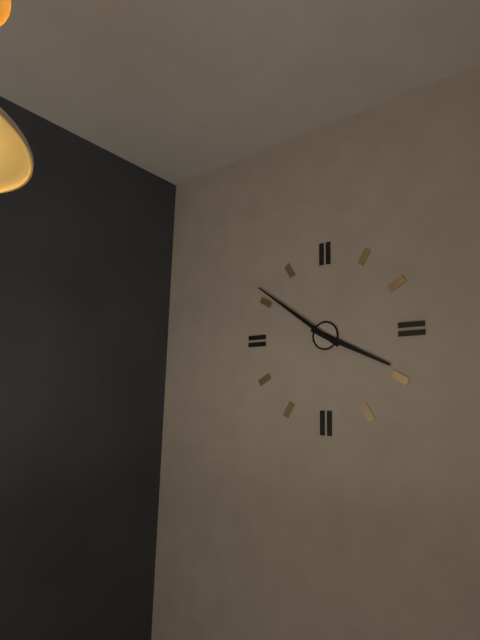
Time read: 3:51
